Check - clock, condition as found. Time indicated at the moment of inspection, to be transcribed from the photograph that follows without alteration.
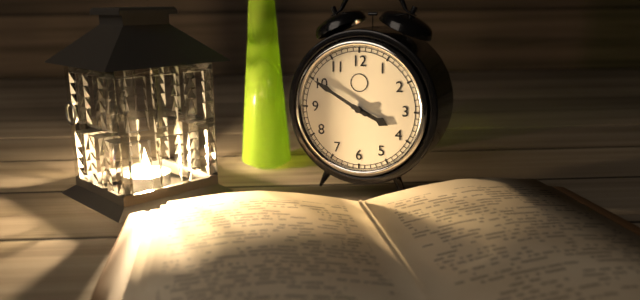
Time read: 3:50
